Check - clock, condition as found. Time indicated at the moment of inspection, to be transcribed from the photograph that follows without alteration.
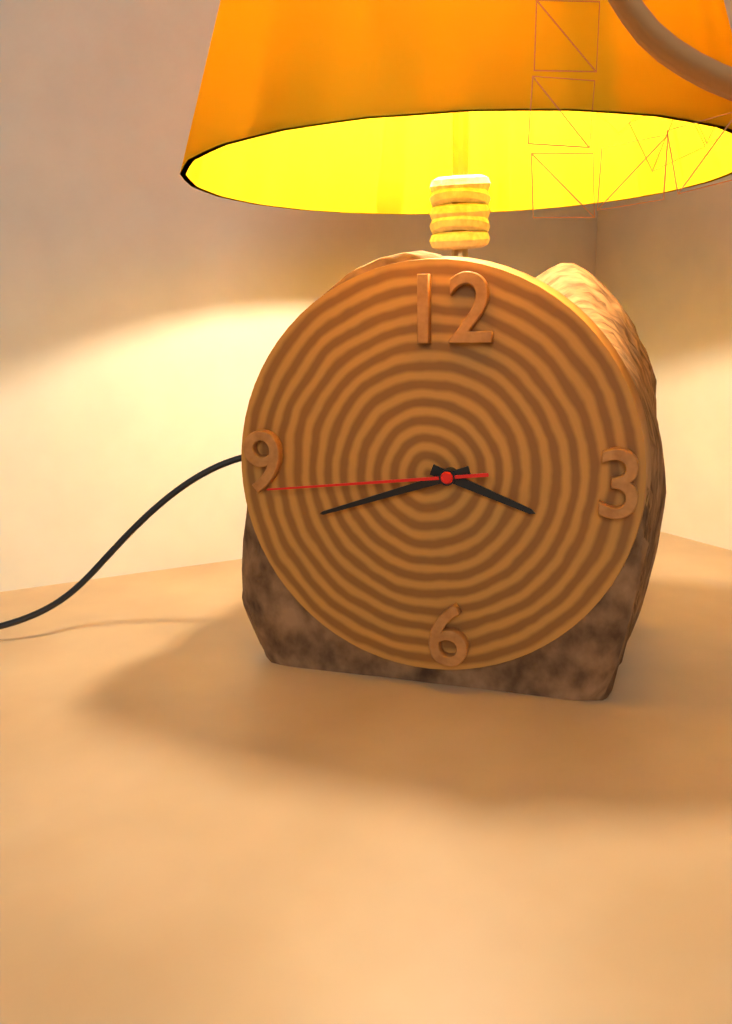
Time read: 3:42:44
